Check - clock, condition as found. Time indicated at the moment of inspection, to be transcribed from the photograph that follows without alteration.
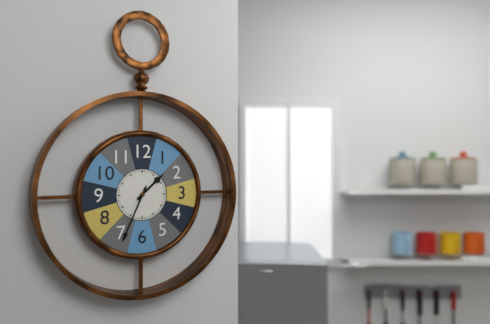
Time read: 1:34
